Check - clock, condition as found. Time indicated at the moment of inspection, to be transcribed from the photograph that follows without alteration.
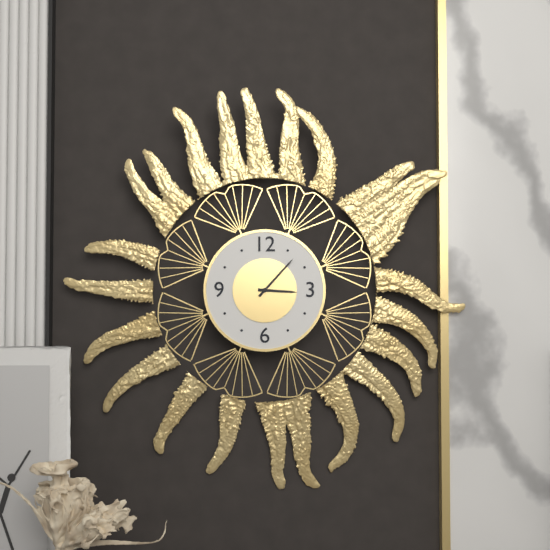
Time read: 3:07
